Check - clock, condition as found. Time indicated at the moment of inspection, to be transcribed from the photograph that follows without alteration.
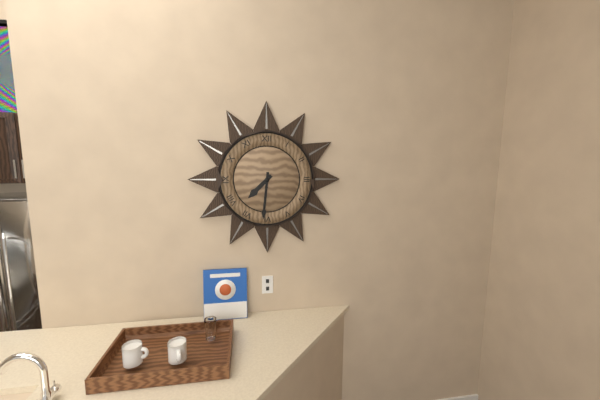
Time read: 7:31
